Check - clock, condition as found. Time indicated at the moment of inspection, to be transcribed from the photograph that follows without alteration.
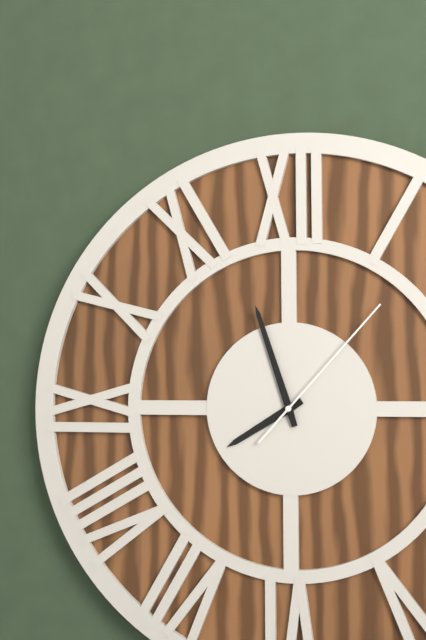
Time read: 7:57:07
